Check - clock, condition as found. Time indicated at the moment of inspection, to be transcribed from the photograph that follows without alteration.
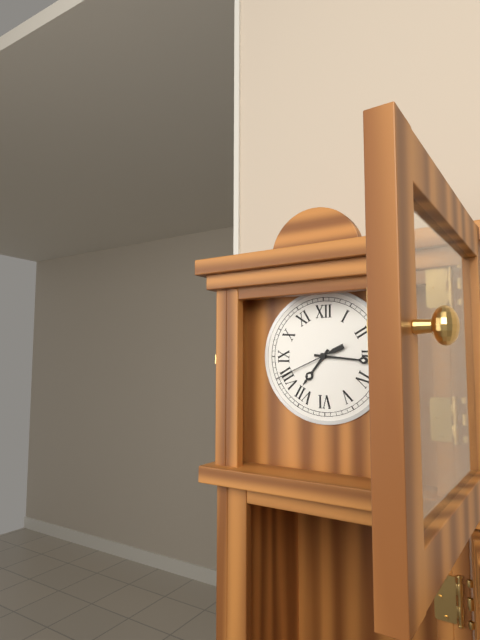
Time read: 7:16:41
